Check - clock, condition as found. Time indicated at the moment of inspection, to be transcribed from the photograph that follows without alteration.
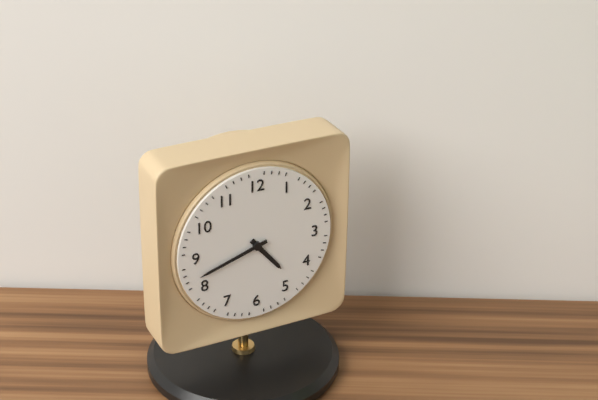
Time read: 4:42
